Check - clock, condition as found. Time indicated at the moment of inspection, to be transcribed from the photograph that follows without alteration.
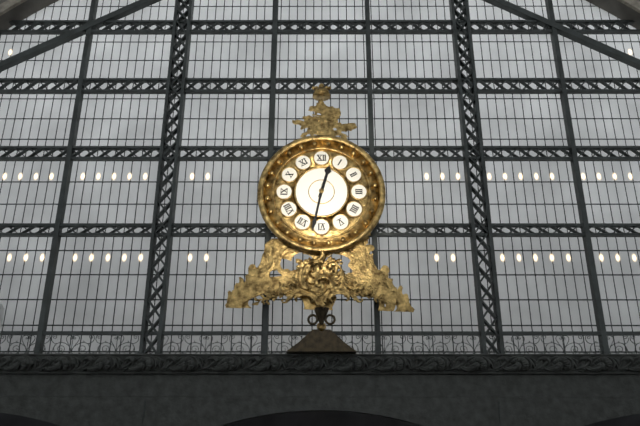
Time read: 12:32
